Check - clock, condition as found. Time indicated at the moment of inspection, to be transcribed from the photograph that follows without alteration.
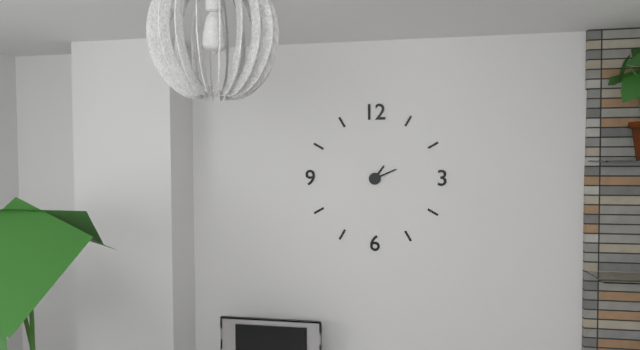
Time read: 1:11
